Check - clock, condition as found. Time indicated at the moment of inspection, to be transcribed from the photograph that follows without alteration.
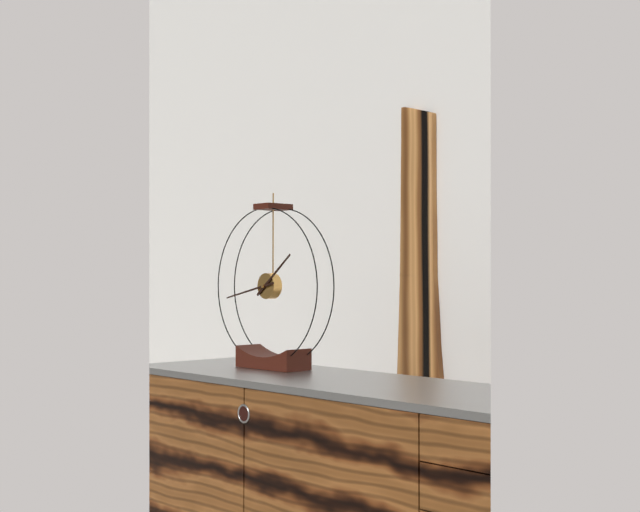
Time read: 1:43
